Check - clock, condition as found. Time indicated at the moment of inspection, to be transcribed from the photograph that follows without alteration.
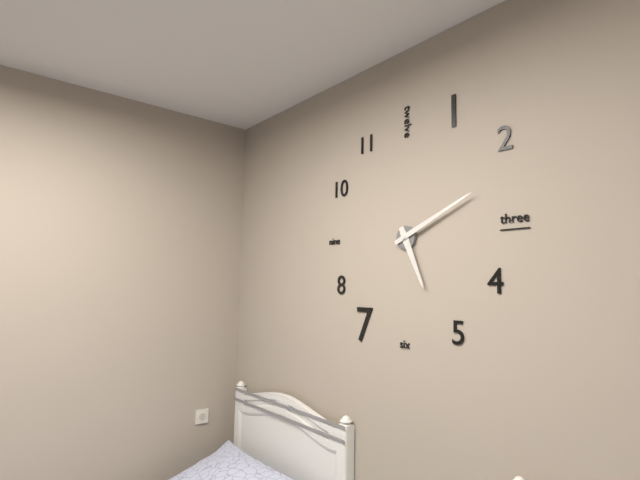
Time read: 5:11
